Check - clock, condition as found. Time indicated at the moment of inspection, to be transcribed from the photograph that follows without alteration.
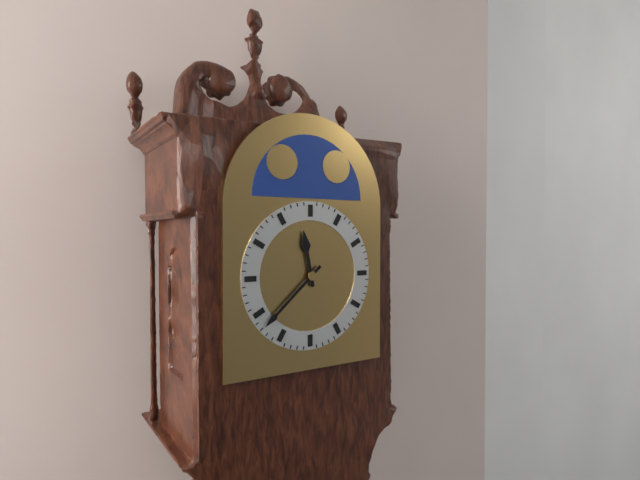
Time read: 11:38
